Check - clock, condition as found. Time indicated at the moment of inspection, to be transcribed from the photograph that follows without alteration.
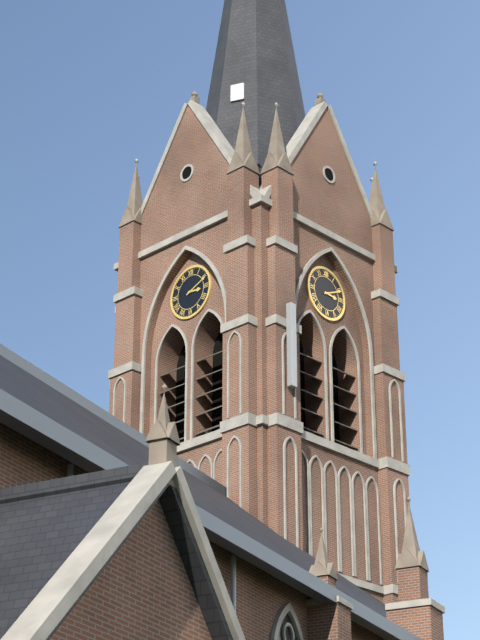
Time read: 3:11
